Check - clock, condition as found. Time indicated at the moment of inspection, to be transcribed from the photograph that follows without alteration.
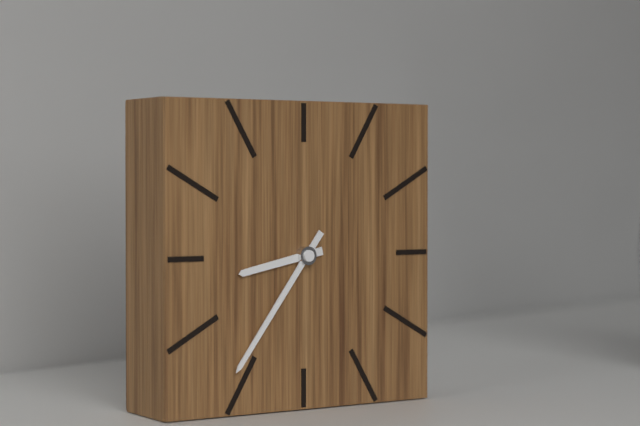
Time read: 8:36
